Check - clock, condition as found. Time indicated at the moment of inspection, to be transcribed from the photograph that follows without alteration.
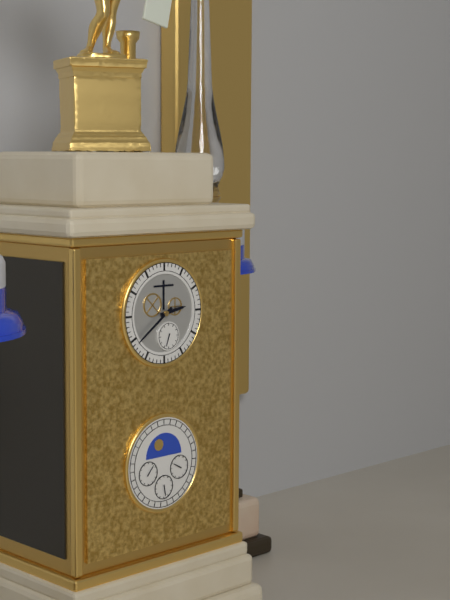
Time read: 2:39
